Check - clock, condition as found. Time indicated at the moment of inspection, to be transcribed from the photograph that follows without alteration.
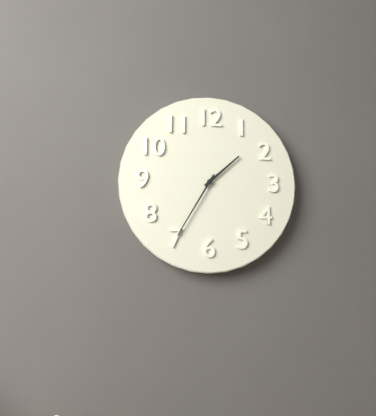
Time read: 1:35
